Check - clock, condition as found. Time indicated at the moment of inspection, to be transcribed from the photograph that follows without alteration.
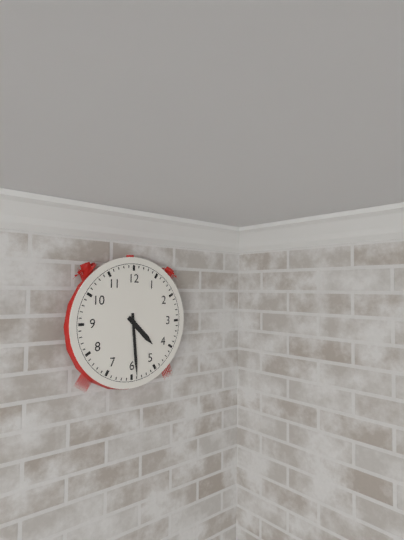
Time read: 4:29
